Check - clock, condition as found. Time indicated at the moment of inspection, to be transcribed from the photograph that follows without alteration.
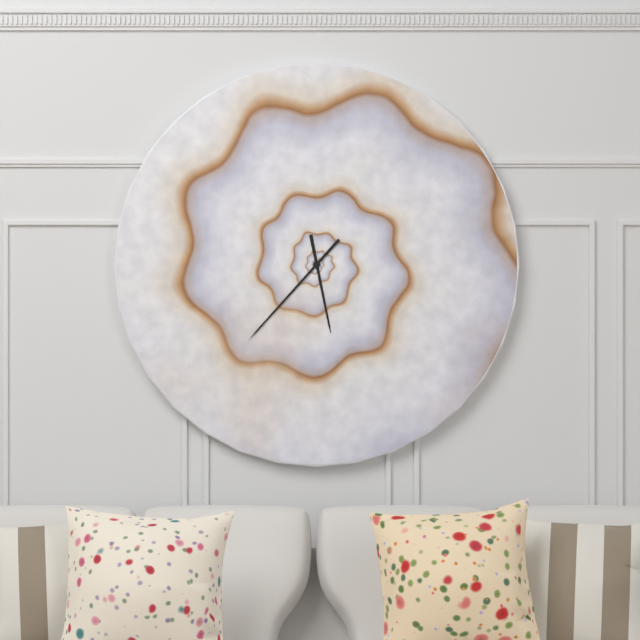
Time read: 5:37
